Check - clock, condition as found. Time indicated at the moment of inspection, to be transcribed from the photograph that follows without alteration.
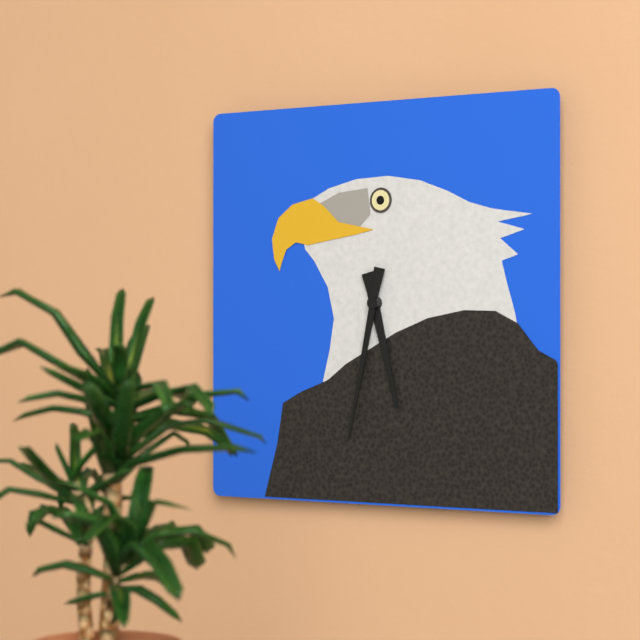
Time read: 5:32
